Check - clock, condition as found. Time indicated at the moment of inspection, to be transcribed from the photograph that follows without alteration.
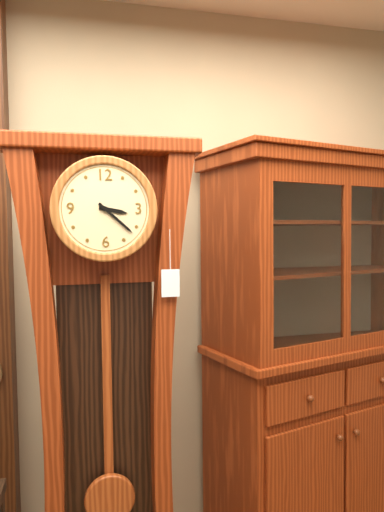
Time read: 3:22
